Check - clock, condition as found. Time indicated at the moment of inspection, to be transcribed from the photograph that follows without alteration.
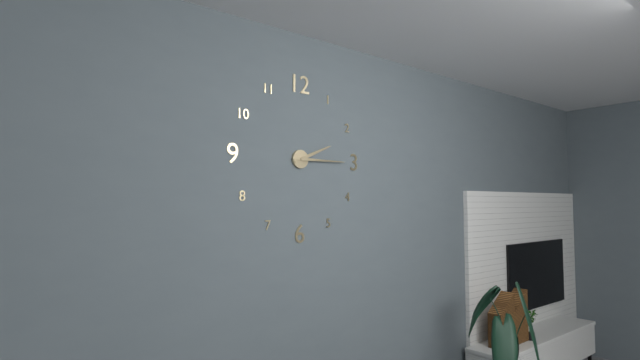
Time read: 2:15
